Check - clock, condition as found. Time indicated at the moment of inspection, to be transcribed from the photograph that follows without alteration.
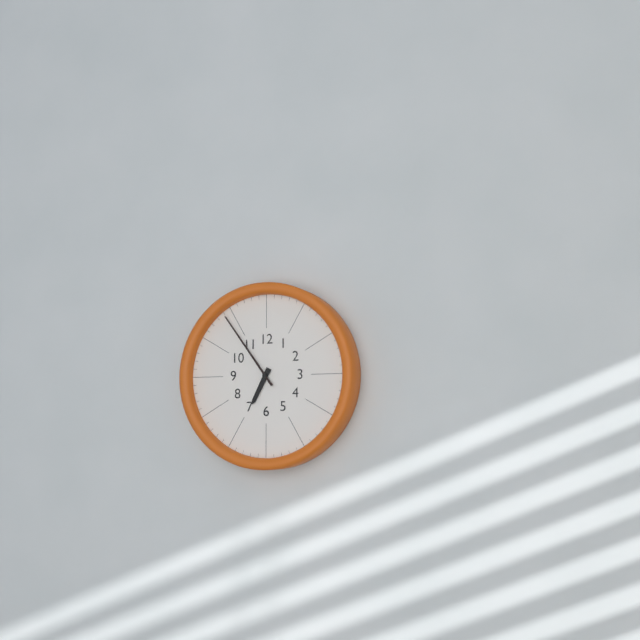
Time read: 6:54
